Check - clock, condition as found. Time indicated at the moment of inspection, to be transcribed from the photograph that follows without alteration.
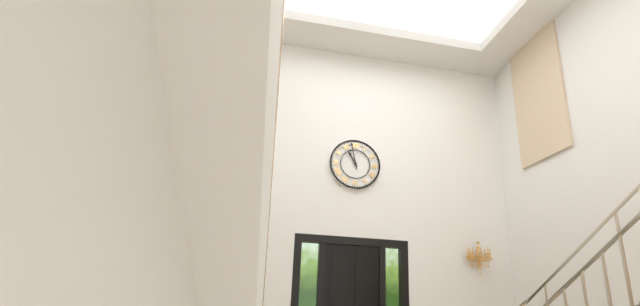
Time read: 10:58
